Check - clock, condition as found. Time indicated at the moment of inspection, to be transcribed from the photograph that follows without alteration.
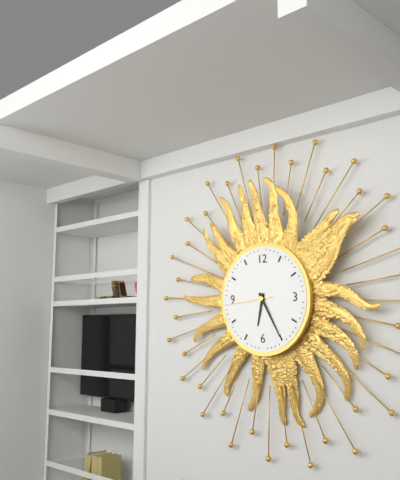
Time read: 6:25
